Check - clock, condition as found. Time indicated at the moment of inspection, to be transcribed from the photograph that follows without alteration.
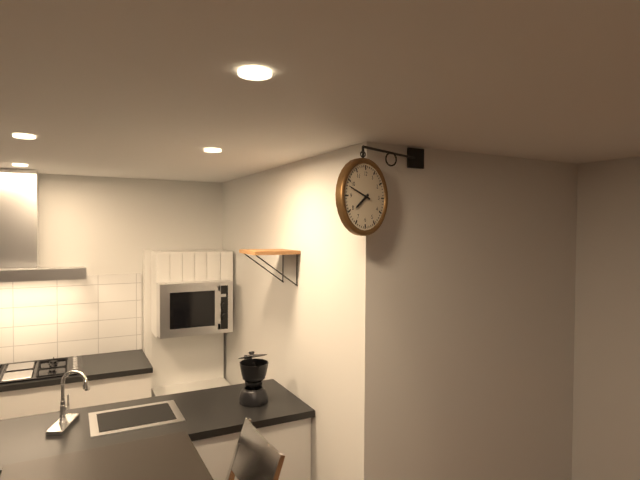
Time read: 7:48
